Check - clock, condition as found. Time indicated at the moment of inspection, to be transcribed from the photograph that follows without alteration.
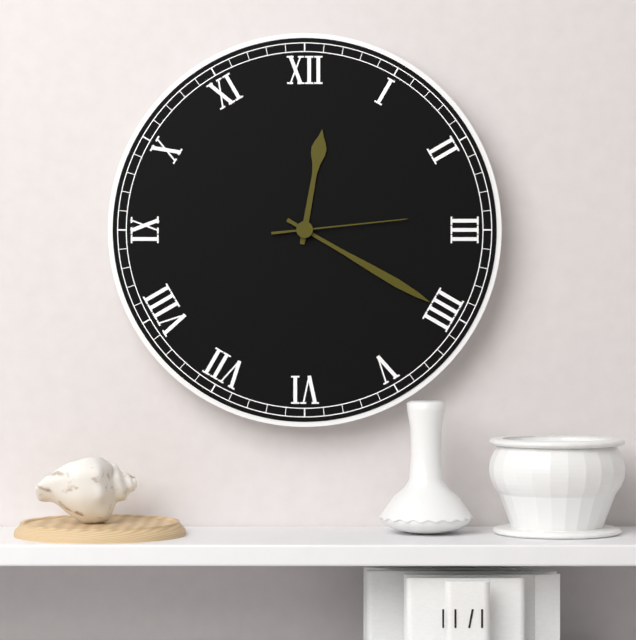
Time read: 12:20:14
